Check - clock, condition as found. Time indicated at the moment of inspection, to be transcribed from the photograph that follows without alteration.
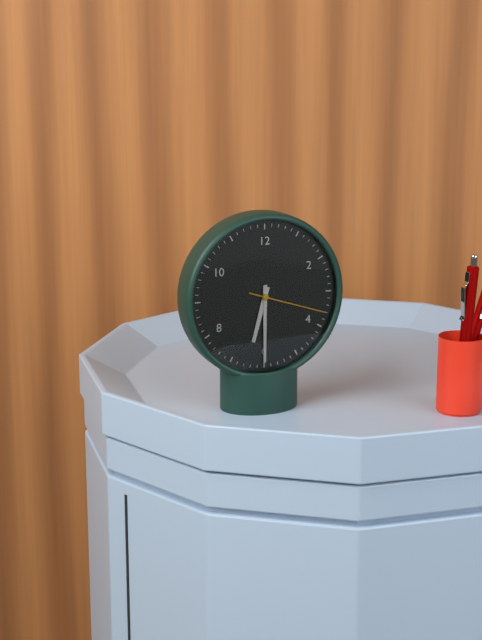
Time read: 6:30:18
